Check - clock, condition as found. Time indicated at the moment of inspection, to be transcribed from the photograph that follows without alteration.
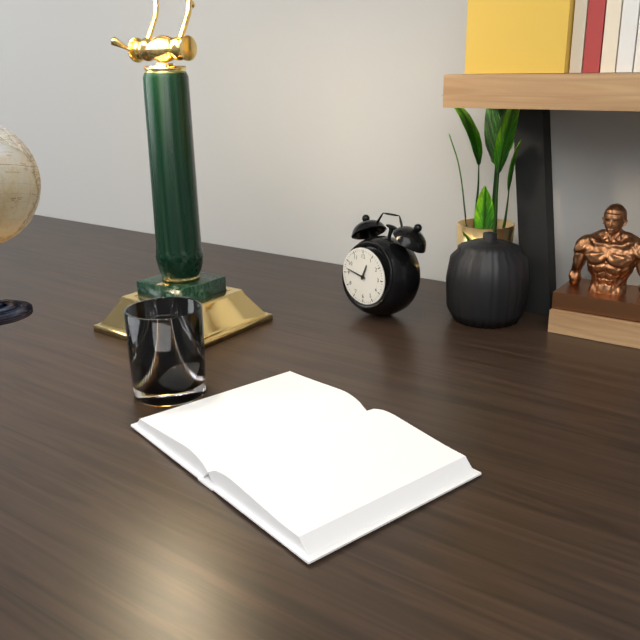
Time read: 12:47
